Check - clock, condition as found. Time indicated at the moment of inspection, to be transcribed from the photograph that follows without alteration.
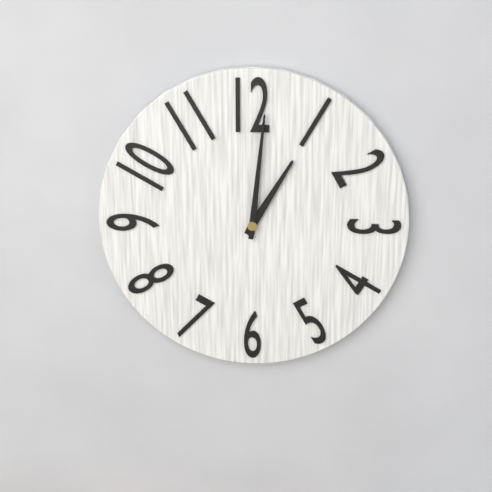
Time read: 1:01
